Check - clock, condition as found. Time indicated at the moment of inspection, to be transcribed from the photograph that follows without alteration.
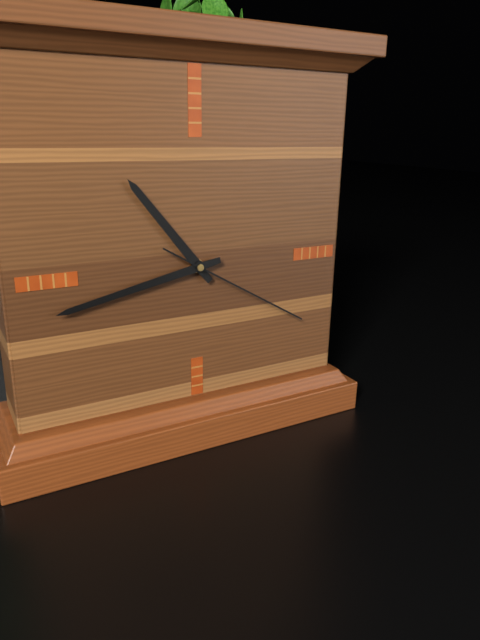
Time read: 10:43:20
